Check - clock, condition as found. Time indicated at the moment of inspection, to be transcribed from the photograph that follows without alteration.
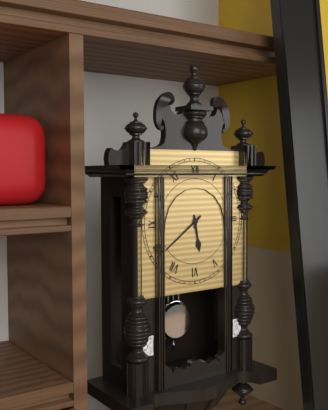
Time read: 5:39
